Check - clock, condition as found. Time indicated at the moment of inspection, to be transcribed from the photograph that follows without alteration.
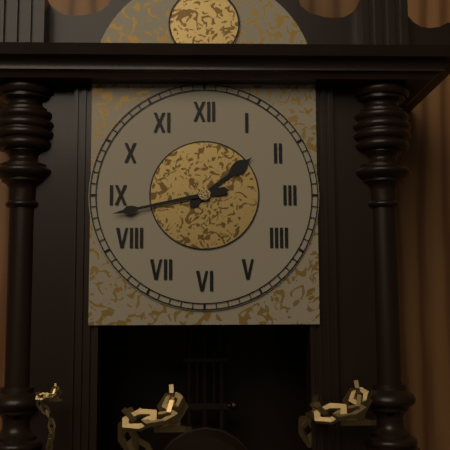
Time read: 1:43
